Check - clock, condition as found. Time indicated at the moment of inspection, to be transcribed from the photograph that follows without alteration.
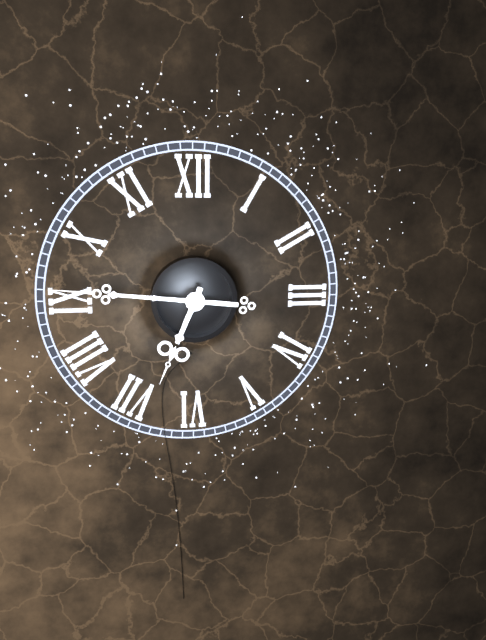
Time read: 6:46
